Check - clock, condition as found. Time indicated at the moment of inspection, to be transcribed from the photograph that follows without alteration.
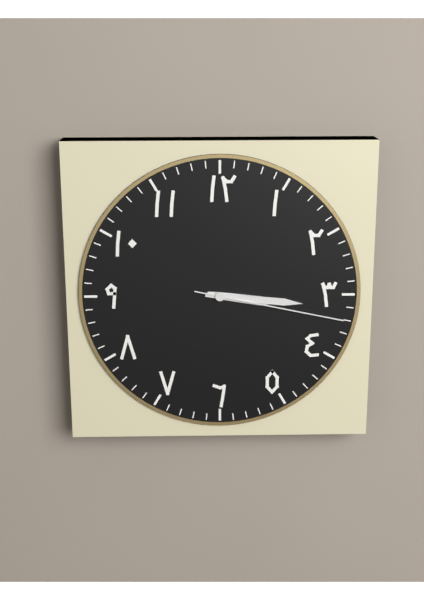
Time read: 3:16:17
